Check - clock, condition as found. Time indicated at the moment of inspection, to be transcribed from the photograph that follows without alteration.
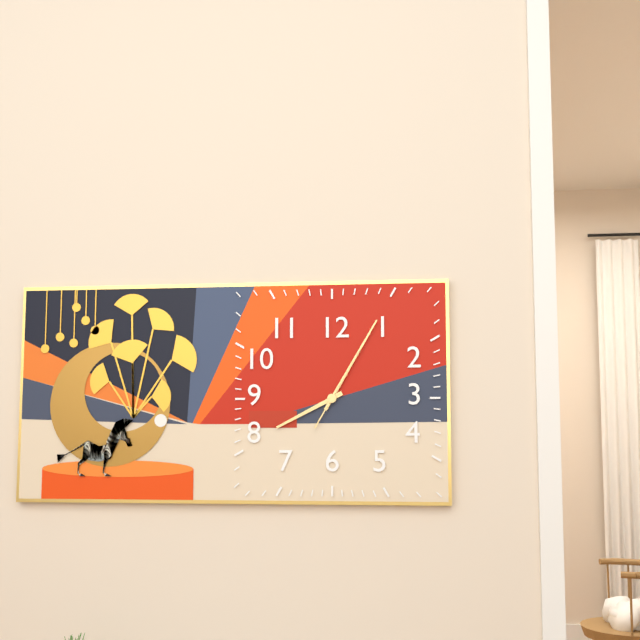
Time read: 8:05:05
